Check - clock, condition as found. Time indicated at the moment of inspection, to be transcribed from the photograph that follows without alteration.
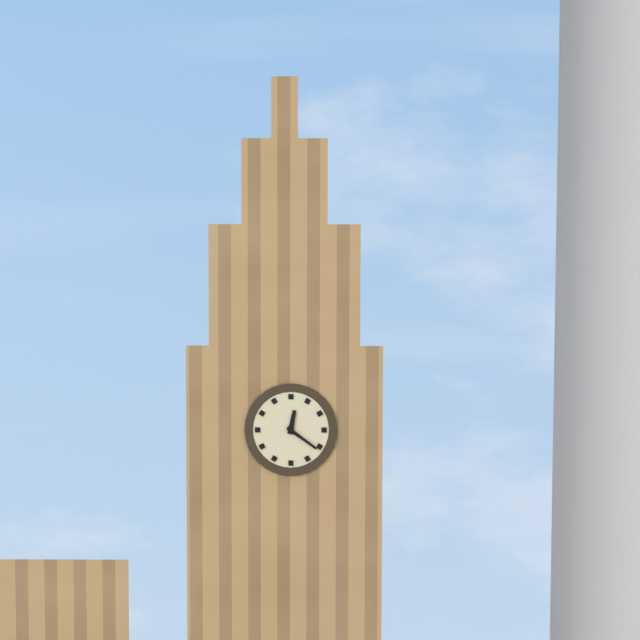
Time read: 12:21
